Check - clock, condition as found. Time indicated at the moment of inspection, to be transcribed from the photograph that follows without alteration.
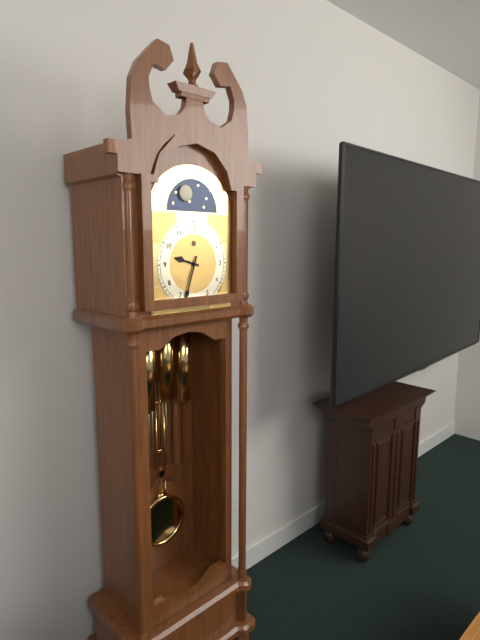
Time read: 9:33
